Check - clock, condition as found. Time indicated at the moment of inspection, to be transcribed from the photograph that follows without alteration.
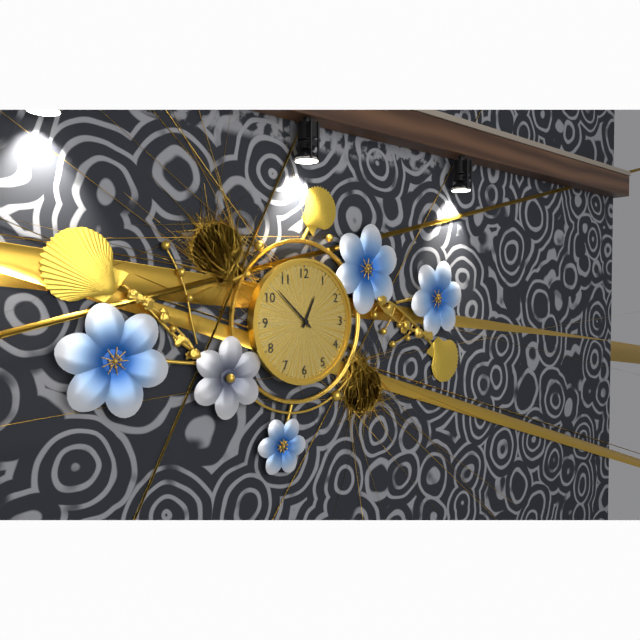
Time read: 12:52
